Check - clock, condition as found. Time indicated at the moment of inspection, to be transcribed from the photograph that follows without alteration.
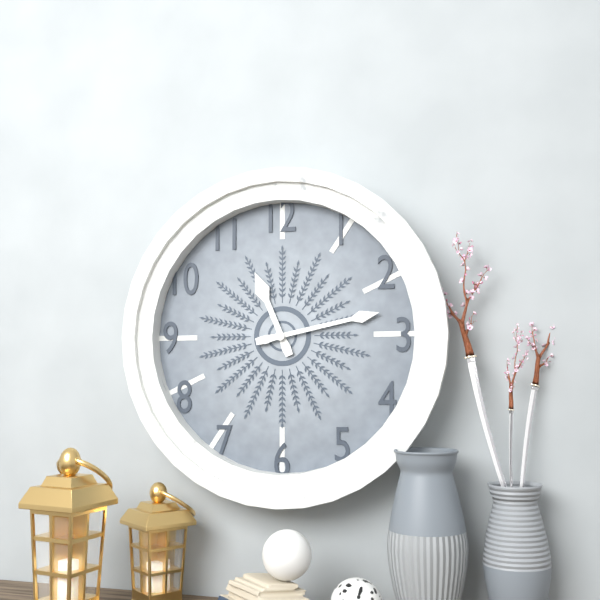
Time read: 11:13
